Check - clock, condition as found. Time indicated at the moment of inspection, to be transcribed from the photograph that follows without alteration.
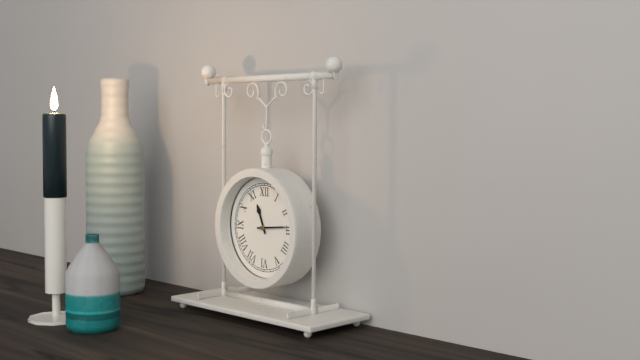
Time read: 11:14
